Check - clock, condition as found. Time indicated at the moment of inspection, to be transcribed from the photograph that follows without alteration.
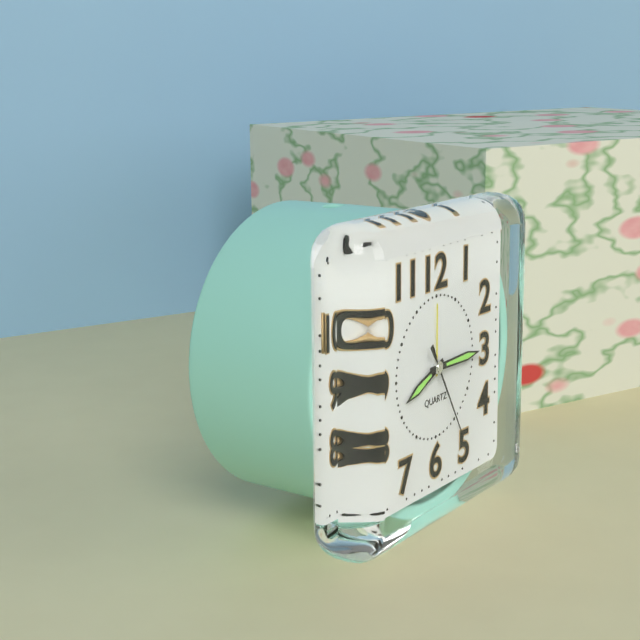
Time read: 8:15:25
